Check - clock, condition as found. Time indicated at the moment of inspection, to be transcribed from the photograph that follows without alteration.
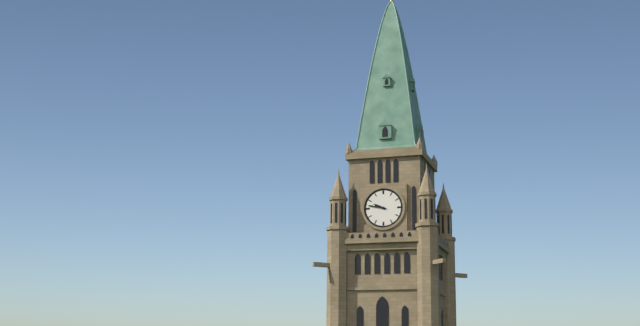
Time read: 9:47
